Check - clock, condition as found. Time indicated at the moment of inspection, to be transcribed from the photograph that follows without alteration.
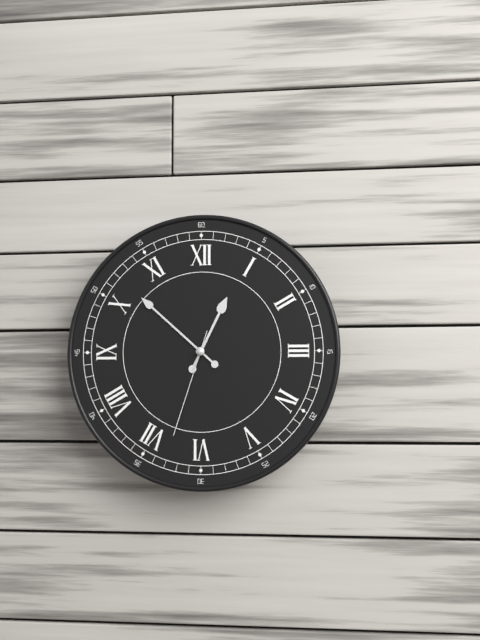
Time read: 12:52:33
